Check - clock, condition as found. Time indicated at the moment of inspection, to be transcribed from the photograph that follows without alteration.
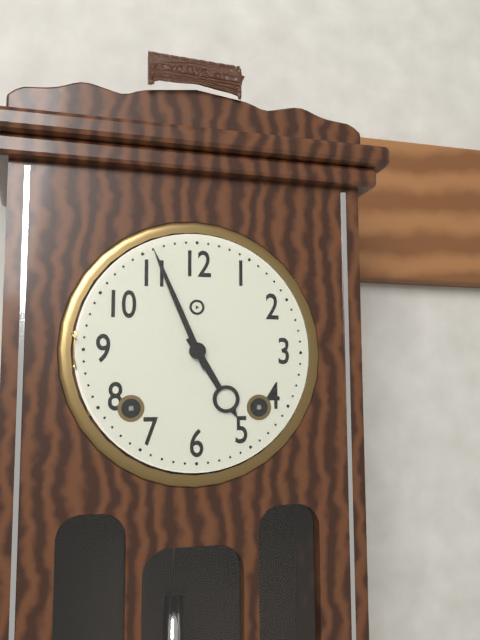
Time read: 4:56
